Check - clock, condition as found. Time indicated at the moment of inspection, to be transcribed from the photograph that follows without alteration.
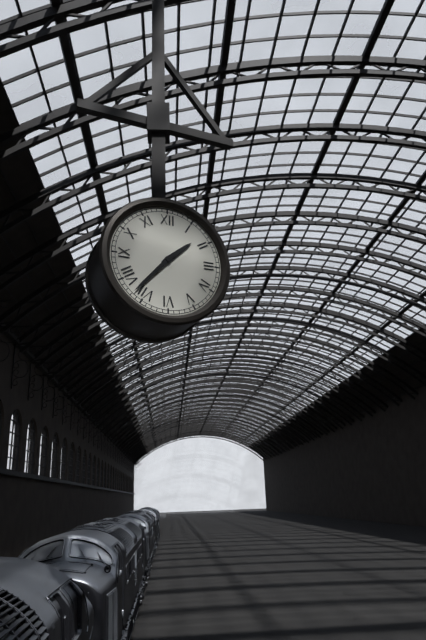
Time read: 1:37
